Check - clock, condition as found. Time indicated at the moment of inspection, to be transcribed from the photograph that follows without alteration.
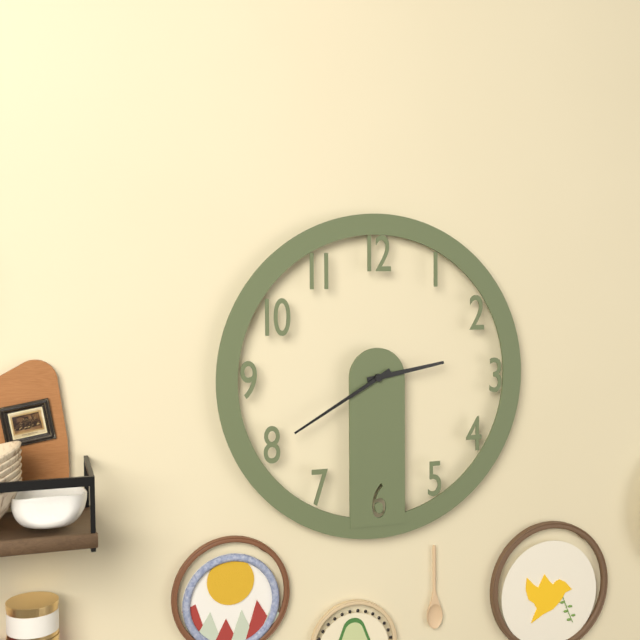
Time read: 2:40
